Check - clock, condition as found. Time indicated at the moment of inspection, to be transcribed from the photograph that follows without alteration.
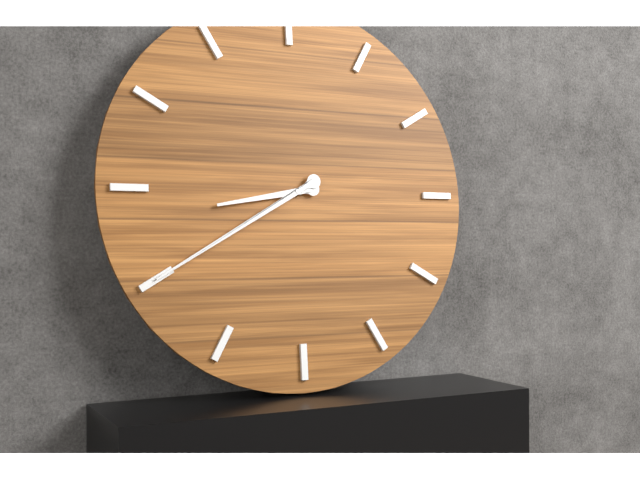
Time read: 8:40
